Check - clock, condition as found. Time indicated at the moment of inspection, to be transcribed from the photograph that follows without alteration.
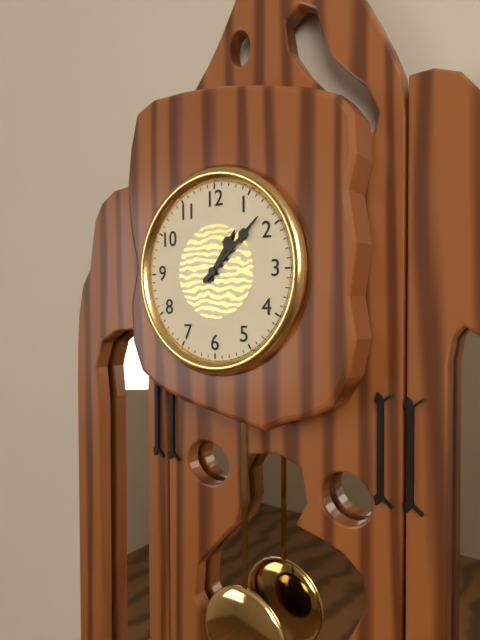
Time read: 1:08
